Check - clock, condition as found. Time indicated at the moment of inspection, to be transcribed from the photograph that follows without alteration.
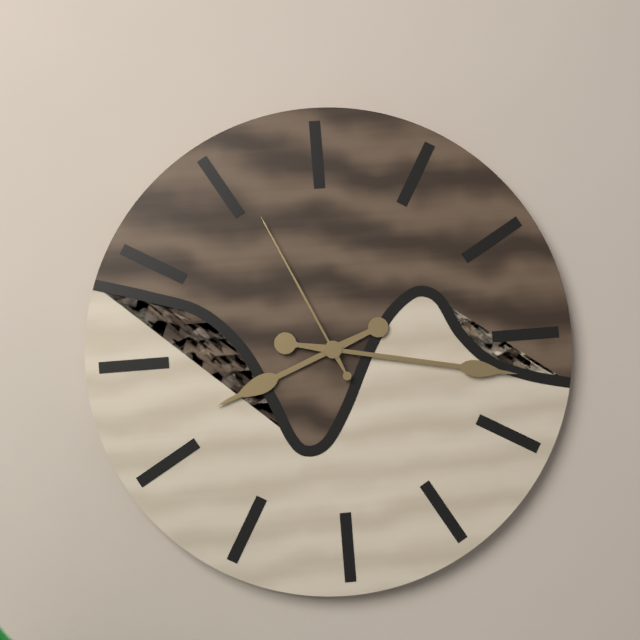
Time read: 8:17:56
